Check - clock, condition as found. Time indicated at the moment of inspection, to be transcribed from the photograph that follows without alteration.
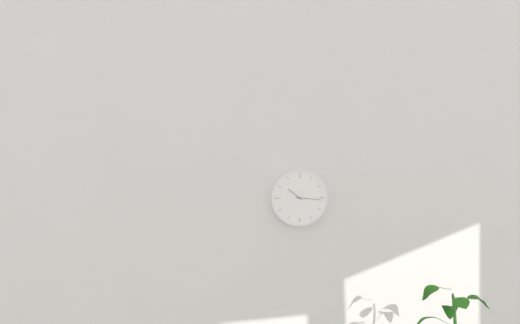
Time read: 10:16
